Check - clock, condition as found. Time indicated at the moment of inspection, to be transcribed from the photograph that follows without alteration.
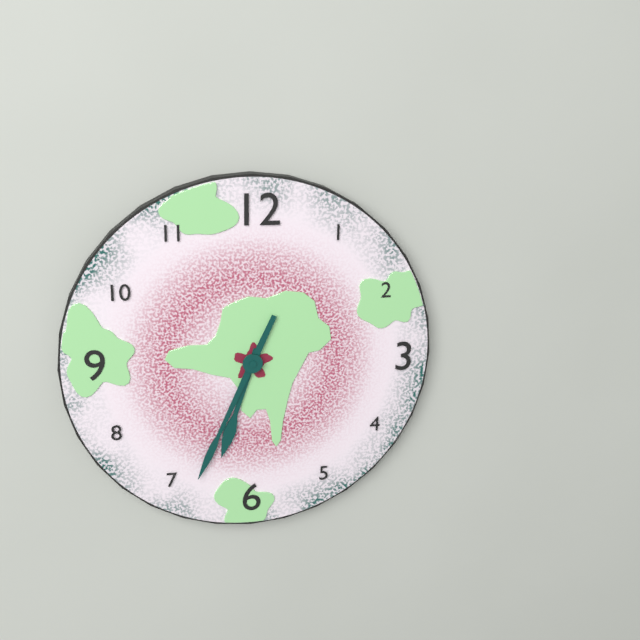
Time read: 6:34
